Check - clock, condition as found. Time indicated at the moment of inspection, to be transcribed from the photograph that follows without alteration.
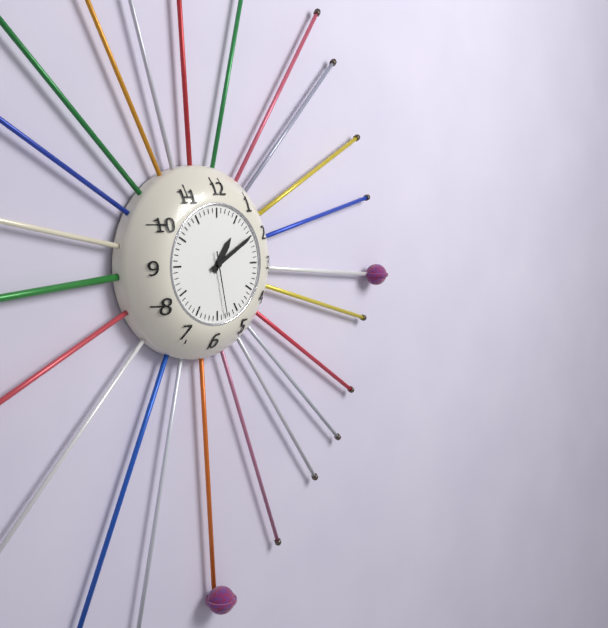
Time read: 1:10:28
